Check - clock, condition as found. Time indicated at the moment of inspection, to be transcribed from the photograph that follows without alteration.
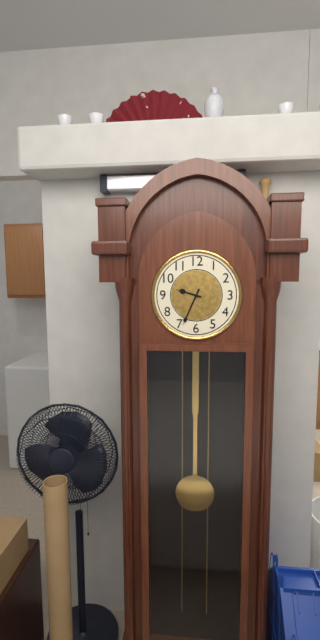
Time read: 9:34
